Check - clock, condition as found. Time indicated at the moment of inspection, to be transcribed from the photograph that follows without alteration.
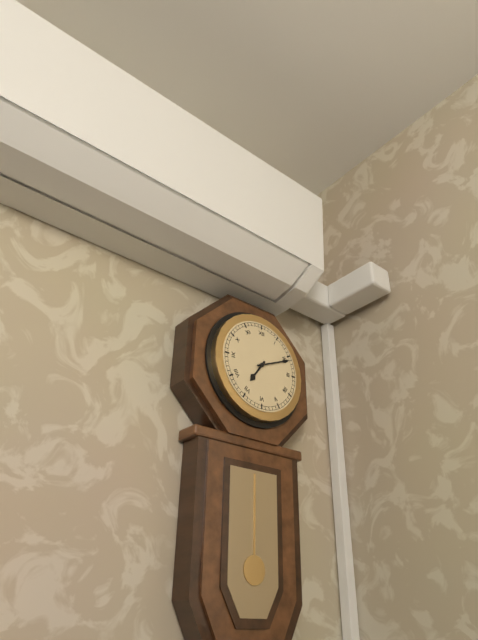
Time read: 7:11
